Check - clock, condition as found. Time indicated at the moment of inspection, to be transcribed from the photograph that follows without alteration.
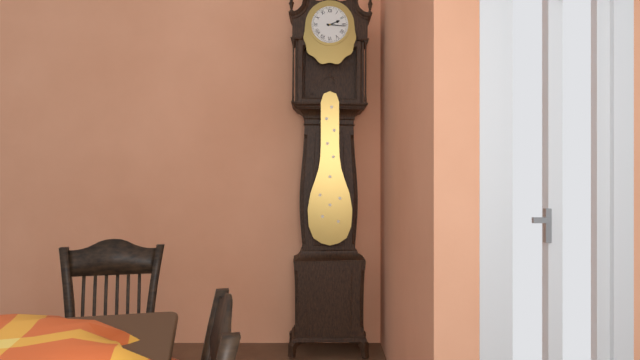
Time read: 2:16
